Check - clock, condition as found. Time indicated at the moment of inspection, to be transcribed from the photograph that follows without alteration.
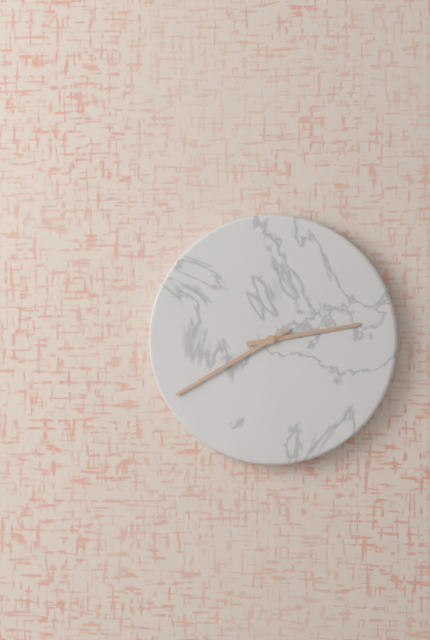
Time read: 2:40
